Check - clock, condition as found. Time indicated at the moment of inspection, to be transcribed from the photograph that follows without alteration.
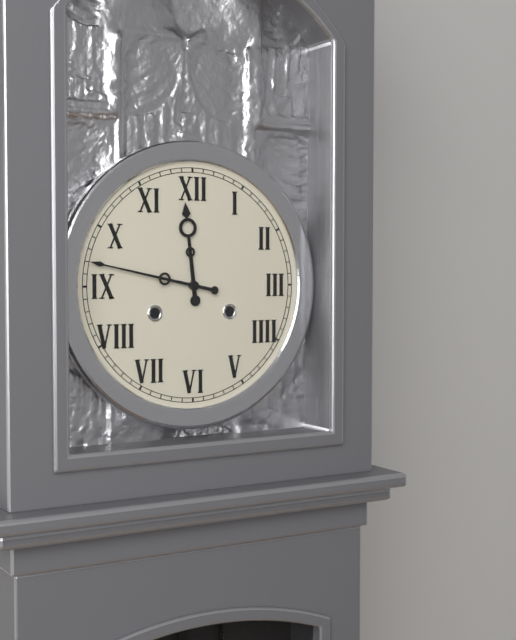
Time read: 11:47
